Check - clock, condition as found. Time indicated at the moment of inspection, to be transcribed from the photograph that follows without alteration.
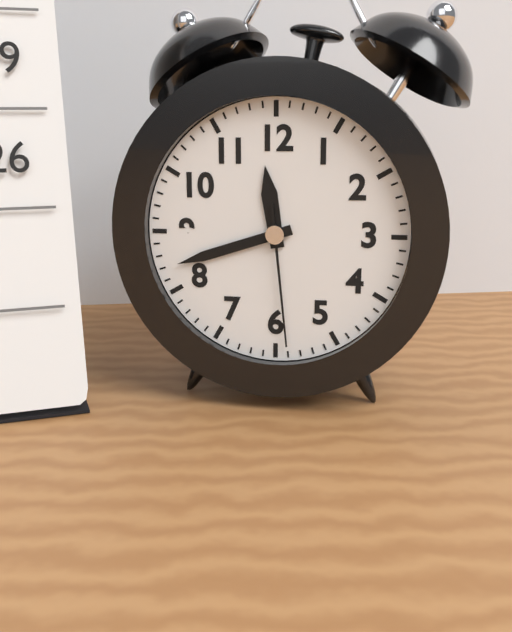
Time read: 11:42:29
